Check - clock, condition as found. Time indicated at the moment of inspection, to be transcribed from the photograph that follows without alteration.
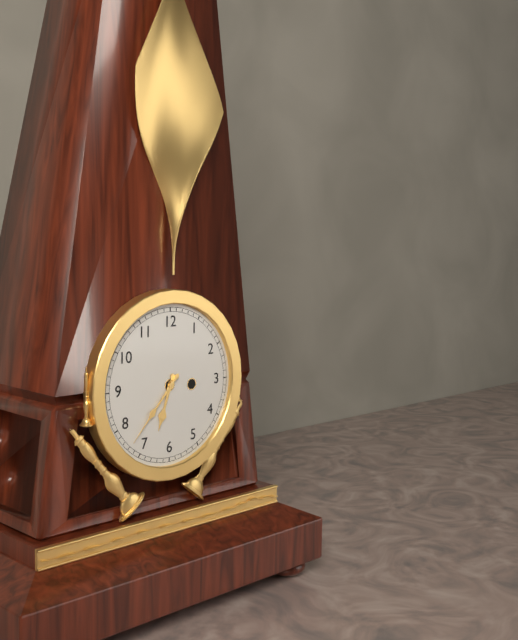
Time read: 6:37
